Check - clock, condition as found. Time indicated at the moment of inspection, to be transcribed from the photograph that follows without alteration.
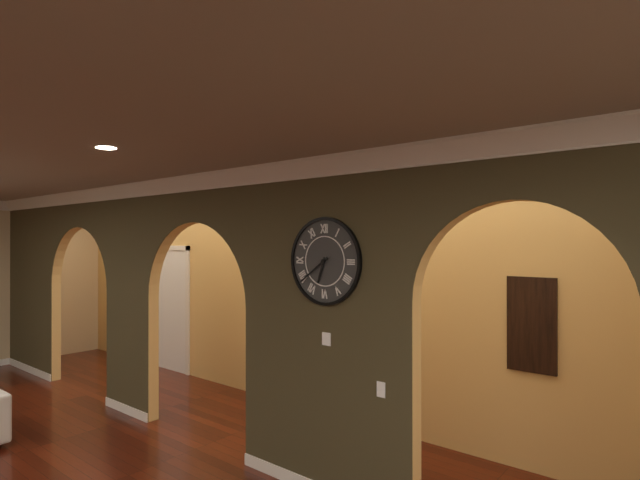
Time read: 6:39
